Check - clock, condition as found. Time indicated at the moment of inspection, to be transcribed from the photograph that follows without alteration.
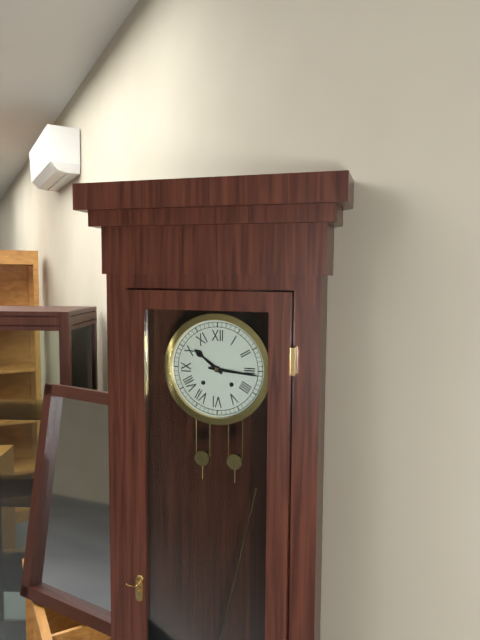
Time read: 10:16
